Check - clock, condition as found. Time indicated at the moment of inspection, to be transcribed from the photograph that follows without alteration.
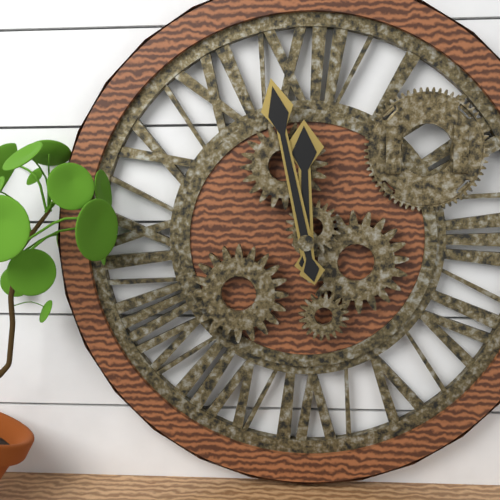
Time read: 11:58
